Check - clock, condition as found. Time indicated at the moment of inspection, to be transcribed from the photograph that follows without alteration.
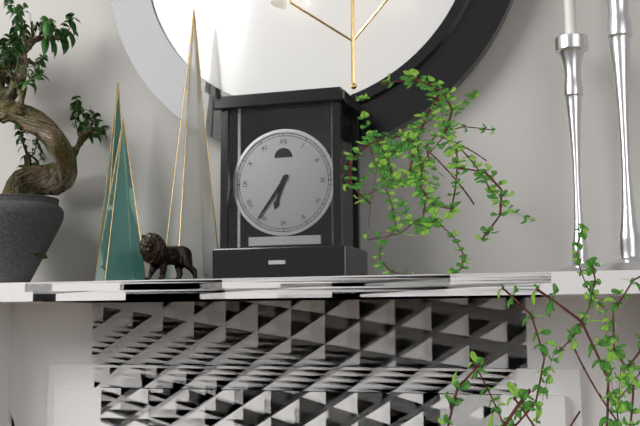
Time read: 6:36
